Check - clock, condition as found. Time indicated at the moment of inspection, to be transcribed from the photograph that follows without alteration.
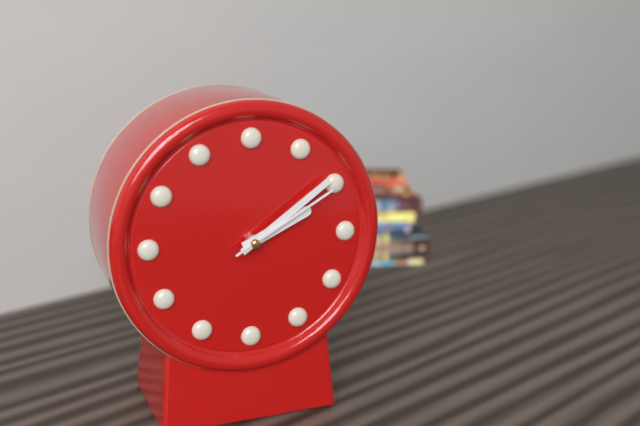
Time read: 2:09:10
